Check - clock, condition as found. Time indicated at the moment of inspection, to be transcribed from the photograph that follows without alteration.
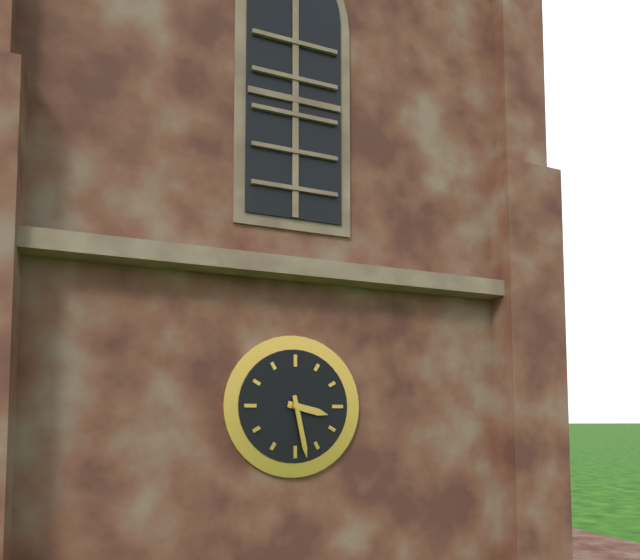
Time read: 3:28
